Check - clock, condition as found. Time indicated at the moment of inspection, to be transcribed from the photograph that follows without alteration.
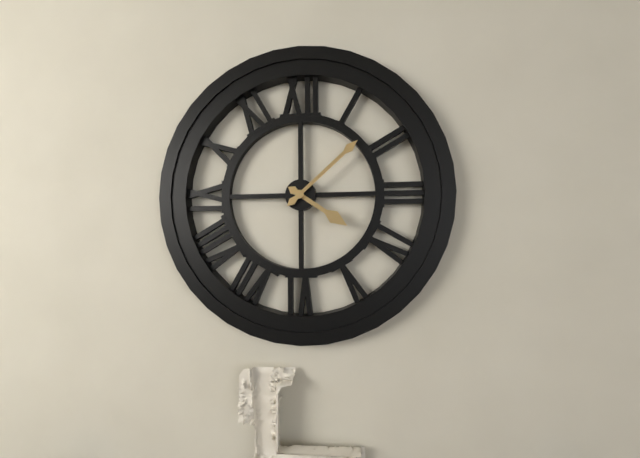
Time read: 4:08
